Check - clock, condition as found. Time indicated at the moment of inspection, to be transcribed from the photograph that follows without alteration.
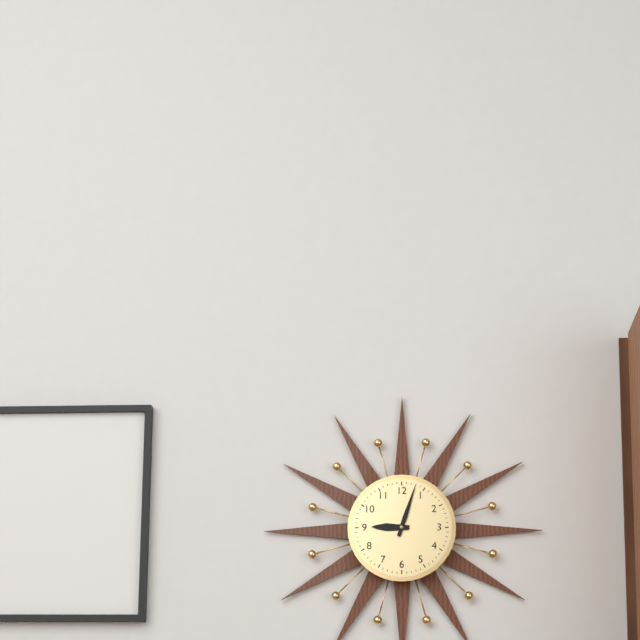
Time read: 9:03
